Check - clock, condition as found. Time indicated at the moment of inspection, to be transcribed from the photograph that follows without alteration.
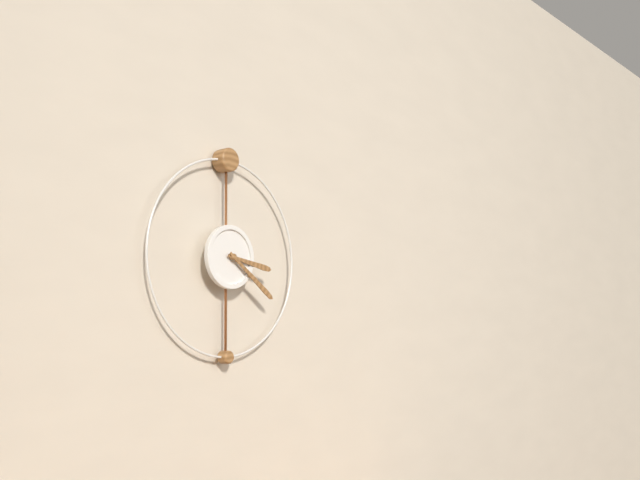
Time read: 3:21
